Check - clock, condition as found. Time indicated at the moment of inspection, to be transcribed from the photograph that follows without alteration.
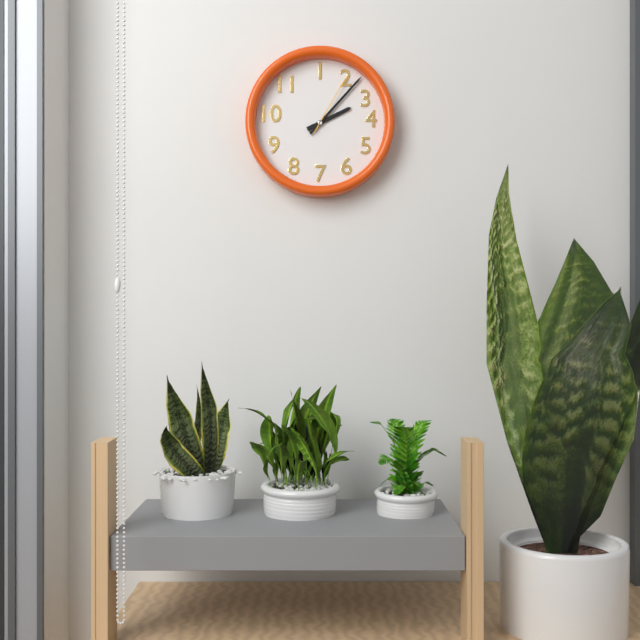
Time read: 2:07:05
